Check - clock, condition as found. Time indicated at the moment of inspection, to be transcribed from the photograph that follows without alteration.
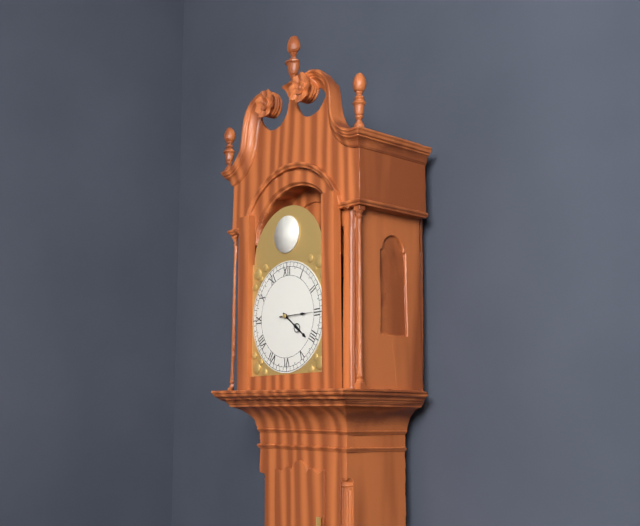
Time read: 4:15
